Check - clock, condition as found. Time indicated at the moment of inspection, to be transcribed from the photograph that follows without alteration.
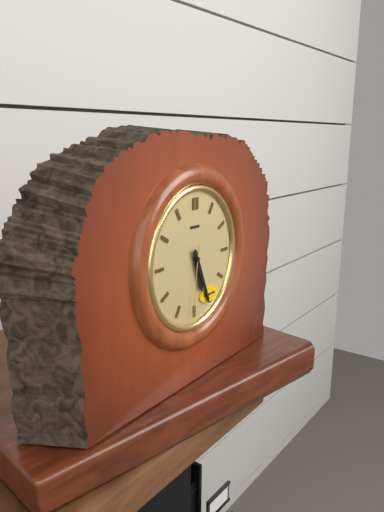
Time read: 5:26:31
